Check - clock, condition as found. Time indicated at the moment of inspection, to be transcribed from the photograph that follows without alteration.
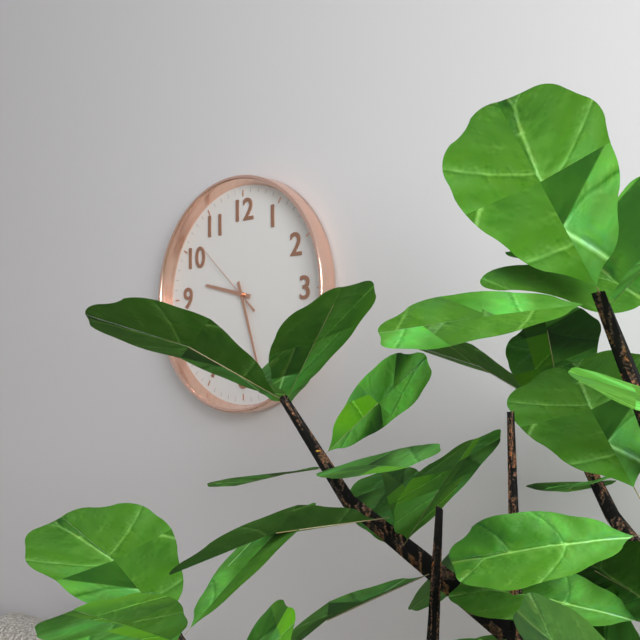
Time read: 9:27:52
